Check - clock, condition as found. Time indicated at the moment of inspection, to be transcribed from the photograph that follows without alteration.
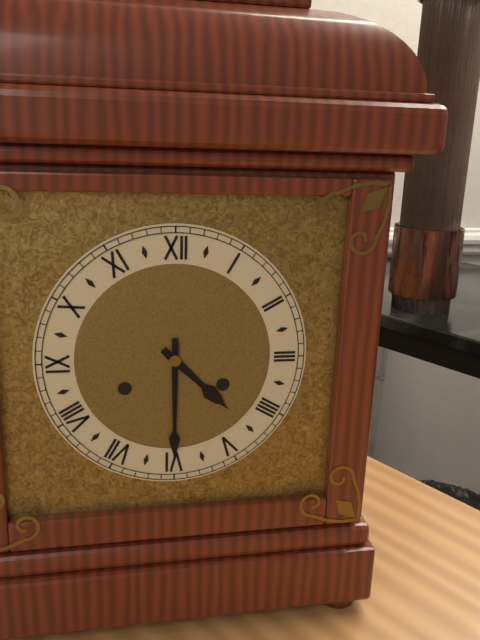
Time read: 4:30
